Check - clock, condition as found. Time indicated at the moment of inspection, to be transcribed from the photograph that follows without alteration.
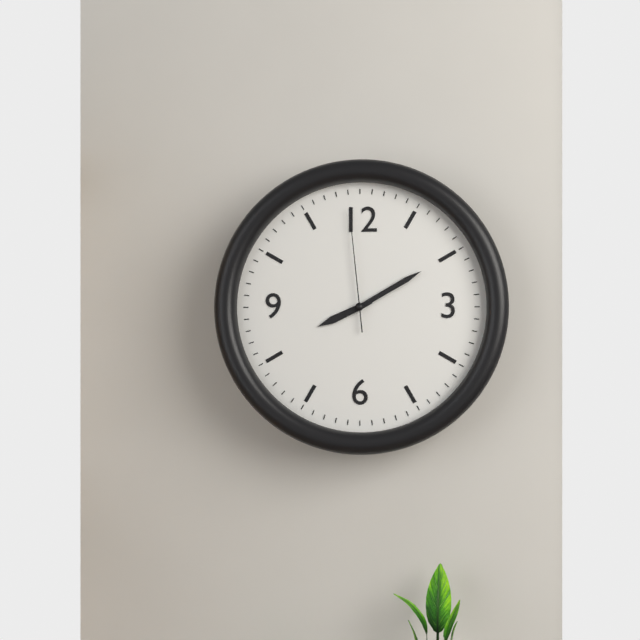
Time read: 8:10:59
